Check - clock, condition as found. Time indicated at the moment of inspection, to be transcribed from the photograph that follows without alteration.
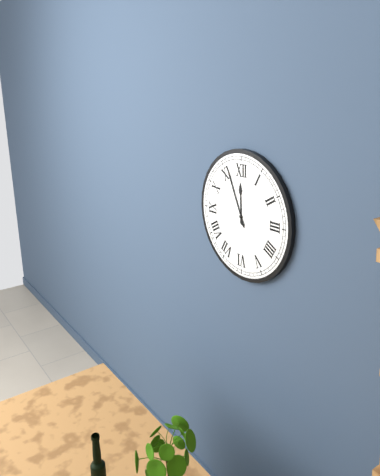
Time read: 11:56
